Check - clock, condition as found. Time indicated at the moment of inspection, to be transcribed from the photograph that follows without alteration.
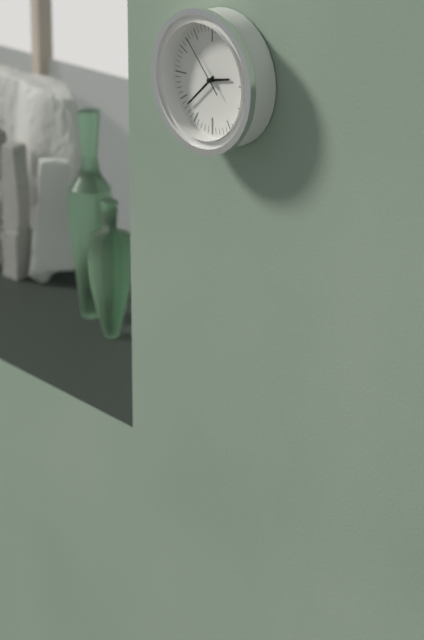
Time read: 2:38:53
